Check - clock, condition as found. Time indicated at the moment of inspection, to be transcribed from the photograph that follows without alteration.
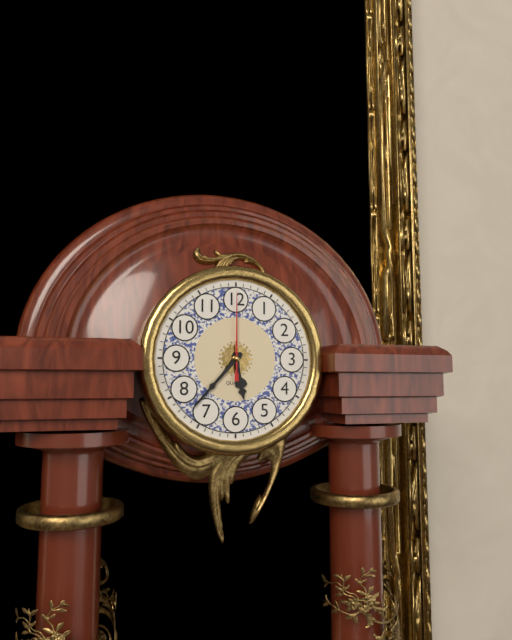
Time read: 5:37:00
